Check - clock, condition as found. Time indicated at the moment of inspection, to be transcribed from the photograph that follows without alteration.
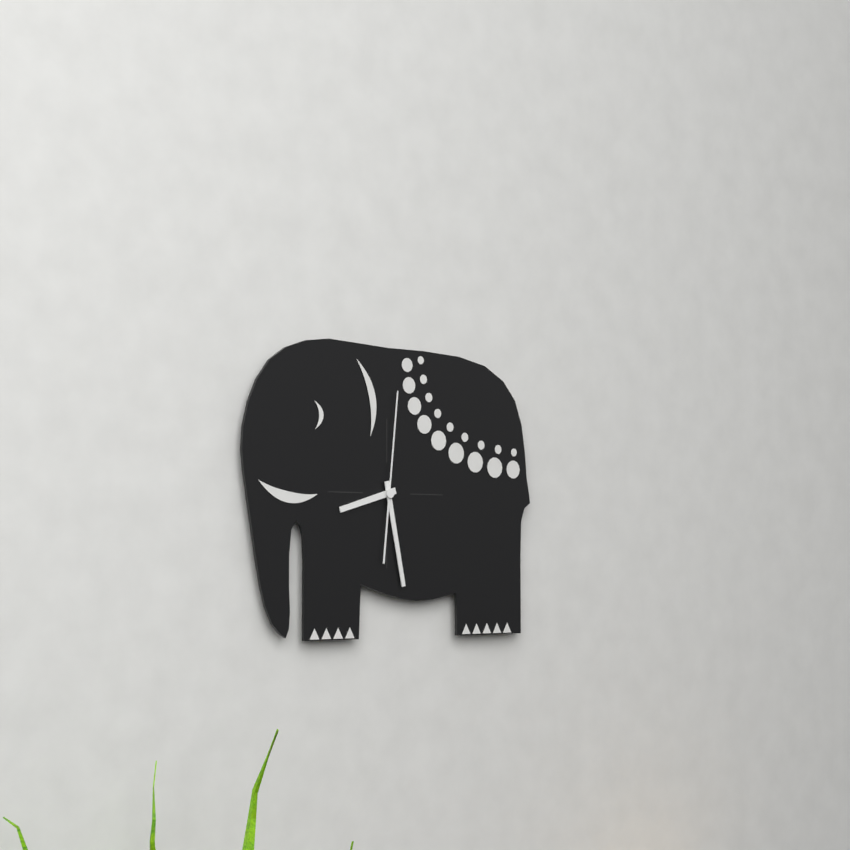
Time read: 8:28:01
